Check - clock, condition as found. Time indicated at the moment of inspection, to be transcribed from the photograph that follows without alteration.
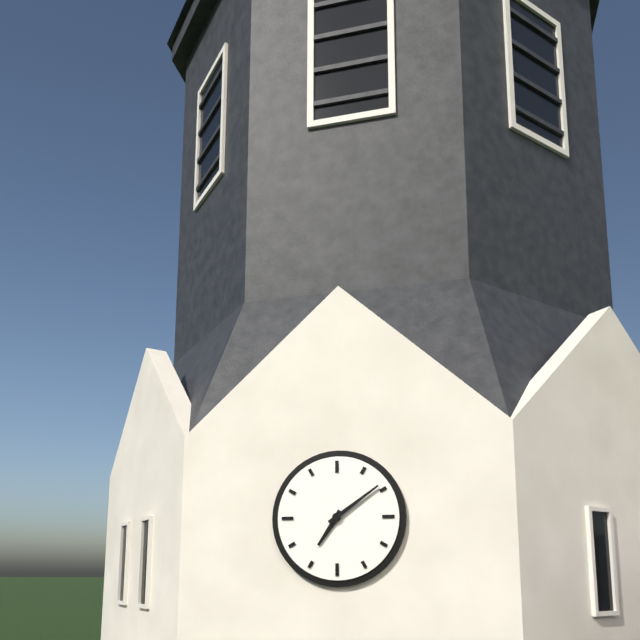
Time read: 7:09
